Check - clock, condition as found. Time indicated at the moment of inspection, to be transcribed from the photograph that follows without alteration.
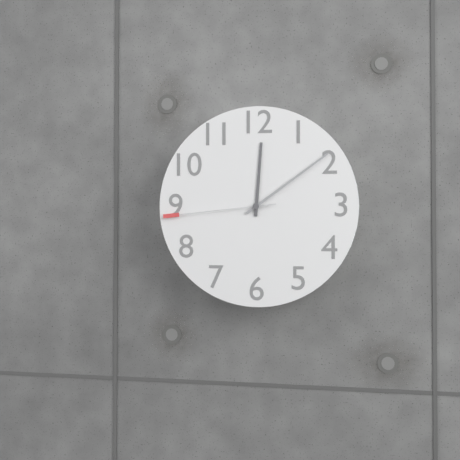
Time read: 12:09:44
